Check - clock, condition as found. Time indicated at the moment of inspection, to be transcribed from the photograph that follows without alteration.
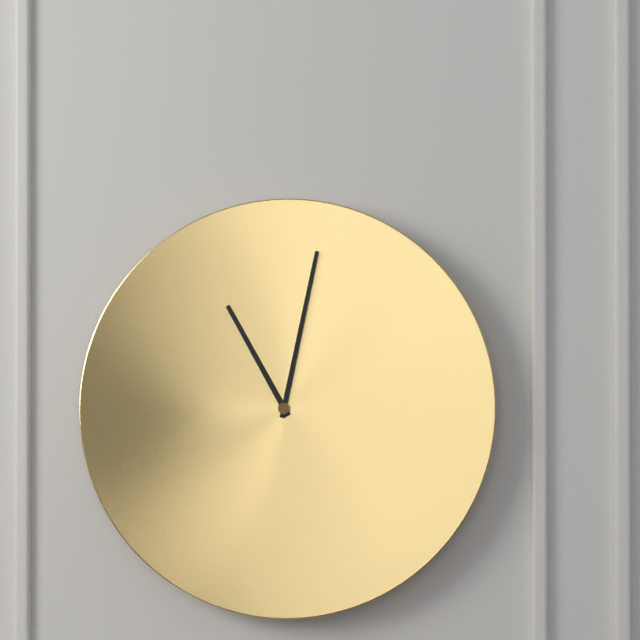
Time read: 11:02
